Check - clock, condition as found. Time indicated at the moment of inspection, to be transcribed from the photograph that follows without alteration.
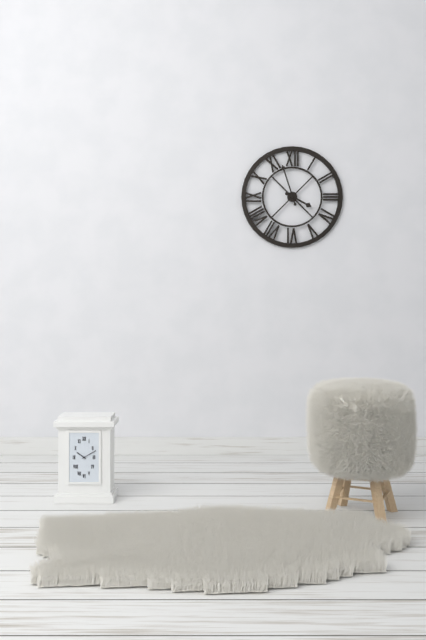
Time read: 3:57
